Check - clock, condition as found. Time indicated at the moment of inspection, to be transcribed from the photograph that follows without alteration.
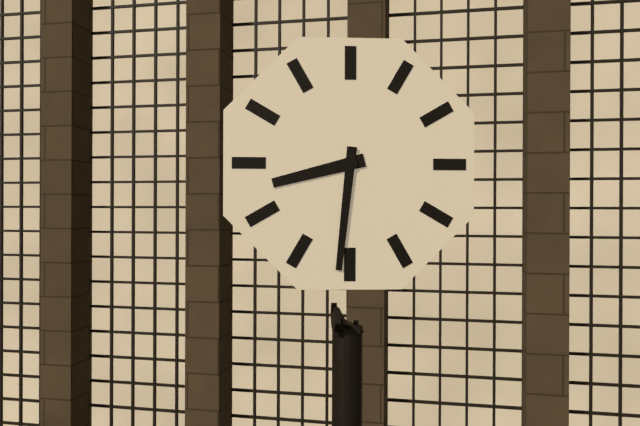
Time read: 8:31
